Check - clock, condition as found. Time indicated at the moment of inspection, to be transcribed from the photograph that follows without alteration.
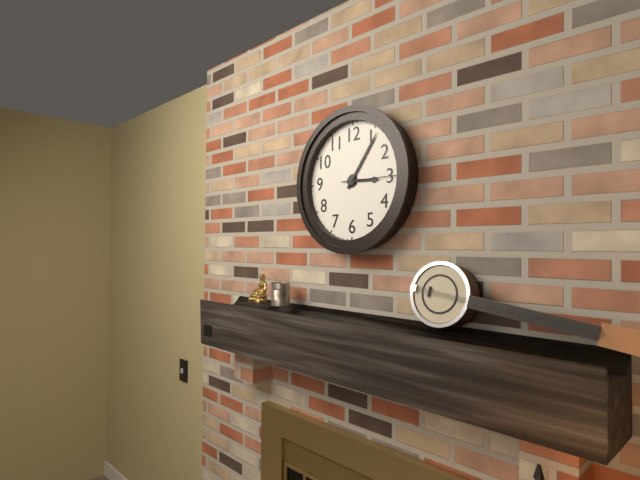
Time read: 3:06:15
